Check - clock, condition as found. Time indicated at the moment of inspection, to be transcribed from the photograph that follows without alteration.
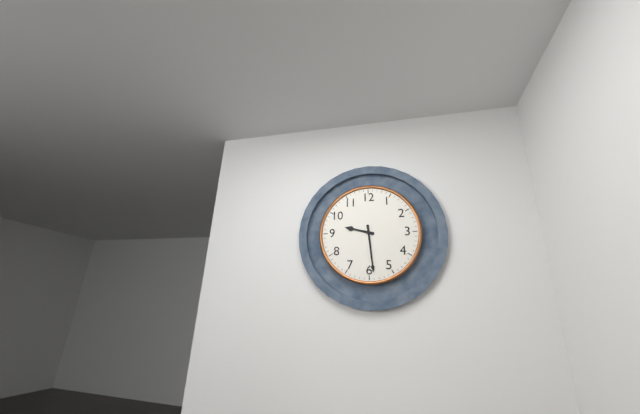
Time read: 9:29
